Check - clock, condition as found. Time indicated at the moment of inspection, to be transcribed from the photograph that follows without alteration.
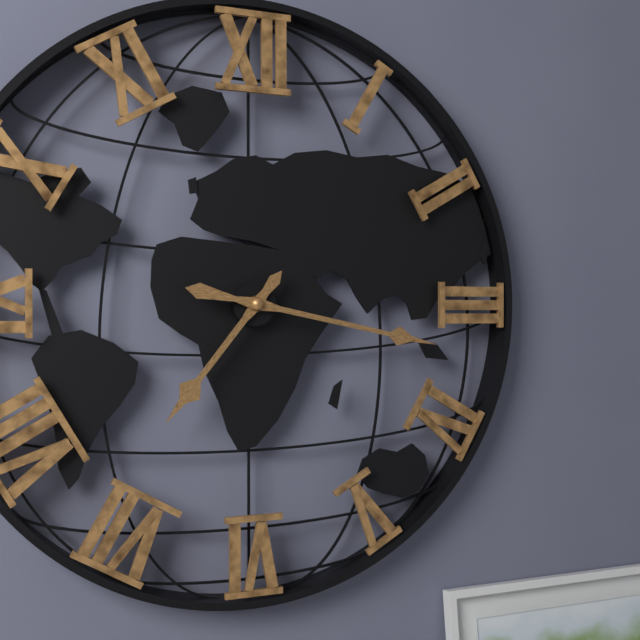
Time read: 7:17
